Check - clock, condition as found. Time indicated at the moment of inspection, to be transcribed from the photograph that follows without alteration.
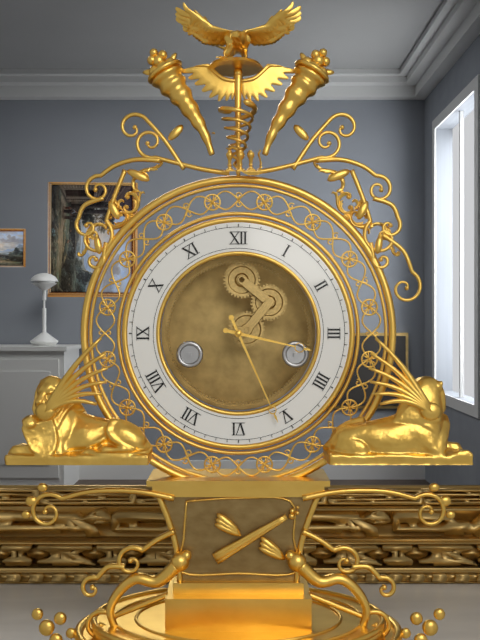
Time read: 3:26
